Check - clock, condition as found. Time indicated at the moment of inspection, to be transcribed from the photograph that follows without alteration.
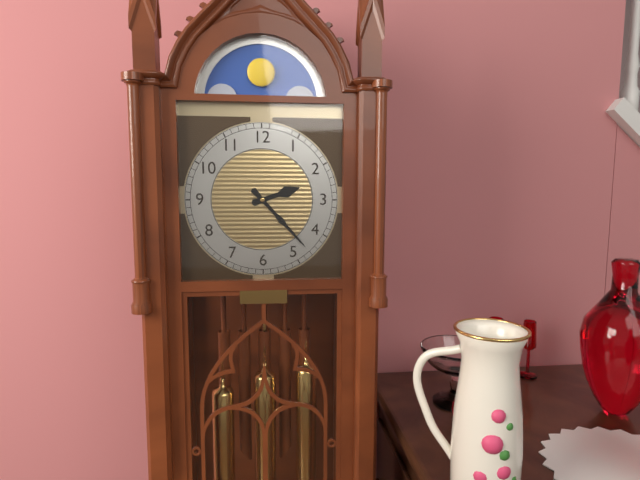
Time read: 2:23
